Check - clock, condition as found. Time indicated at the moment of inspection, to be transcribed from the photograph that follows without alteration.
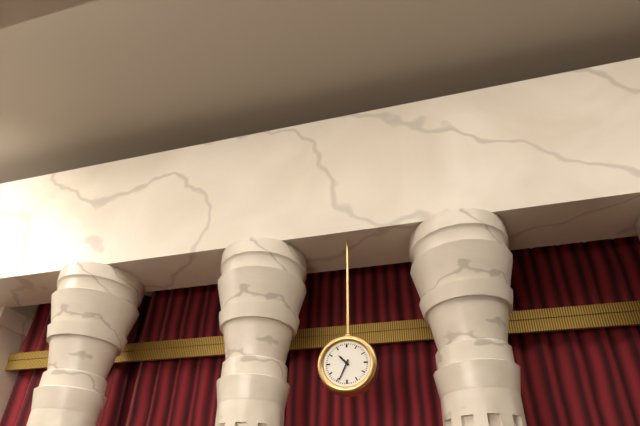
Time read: 10:34
